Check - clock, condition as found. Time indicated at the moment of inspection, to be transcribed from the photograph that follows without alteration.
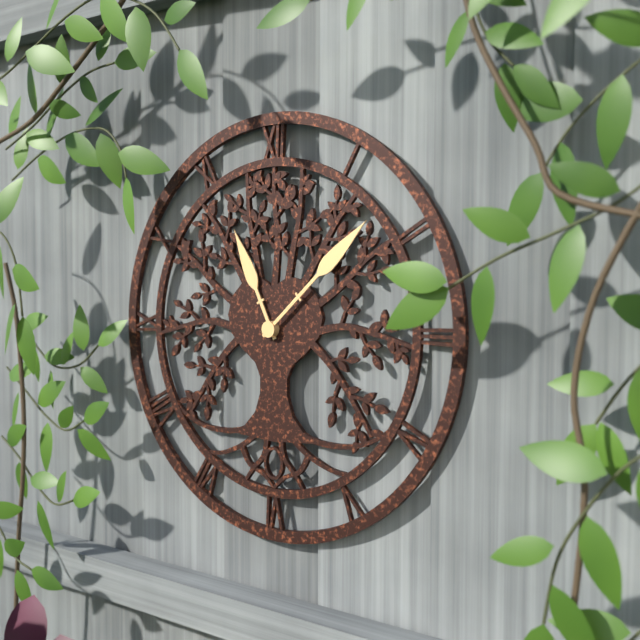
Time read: 11:08
